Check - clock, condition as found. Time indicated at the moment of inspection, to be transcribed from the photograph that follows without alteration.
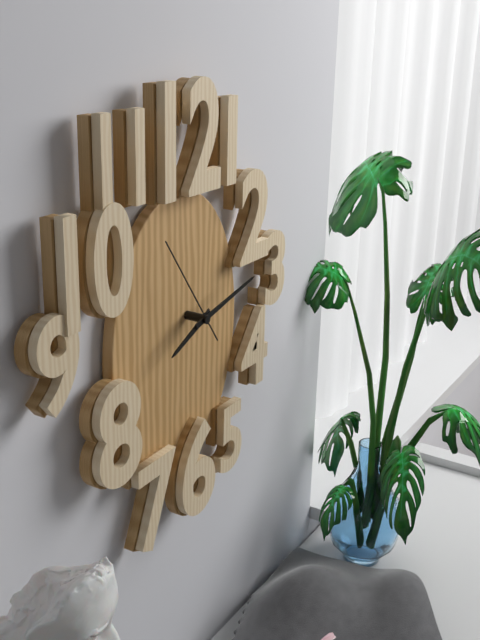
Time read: 8:13:54
